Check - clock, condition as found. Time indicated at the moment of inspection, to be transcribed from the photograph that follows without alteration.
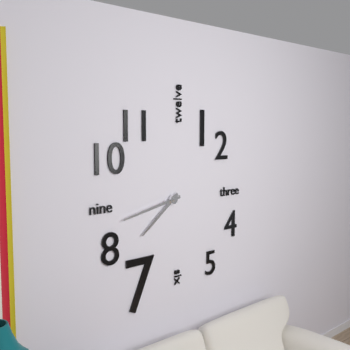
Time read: 7:43
